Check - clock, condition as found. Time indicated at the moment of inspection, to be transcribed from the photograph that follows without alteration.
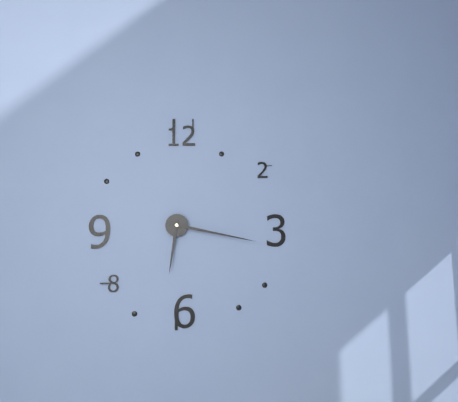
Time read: 6:17
